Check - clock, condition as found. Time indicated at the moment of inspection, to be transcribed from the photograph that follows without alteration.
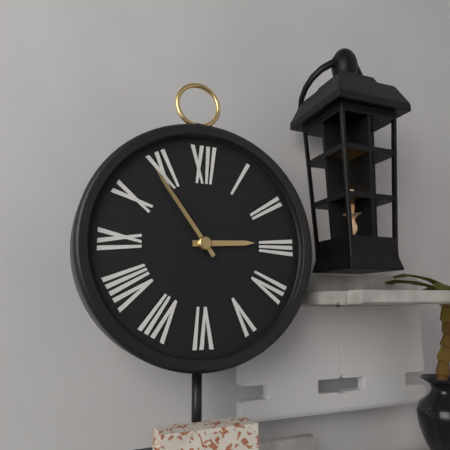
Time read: 2:54
